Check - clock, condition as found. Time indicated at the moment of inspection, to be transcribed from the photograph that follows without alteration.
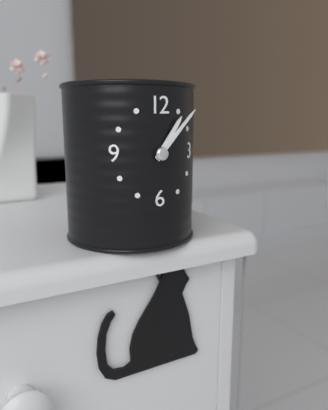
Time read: 1:07
